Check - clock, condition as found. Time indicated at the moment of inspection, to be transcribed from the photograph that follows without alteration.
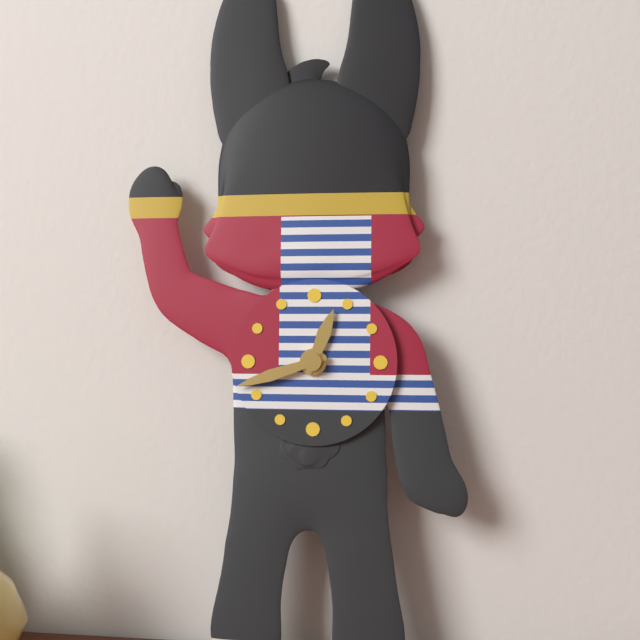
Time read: 12:42
